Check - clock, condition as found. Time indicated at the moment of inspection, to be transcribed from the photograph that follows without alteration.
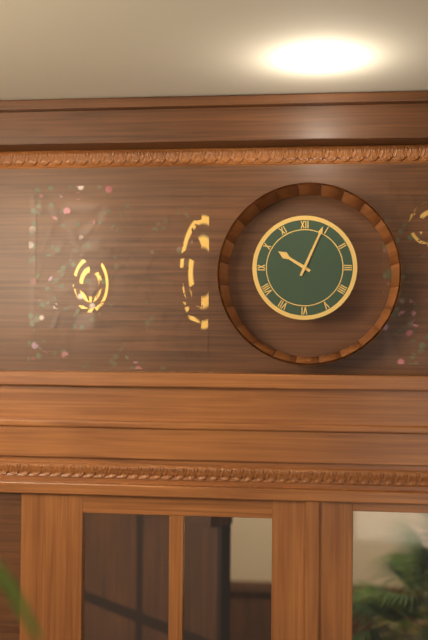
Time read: 10:04
